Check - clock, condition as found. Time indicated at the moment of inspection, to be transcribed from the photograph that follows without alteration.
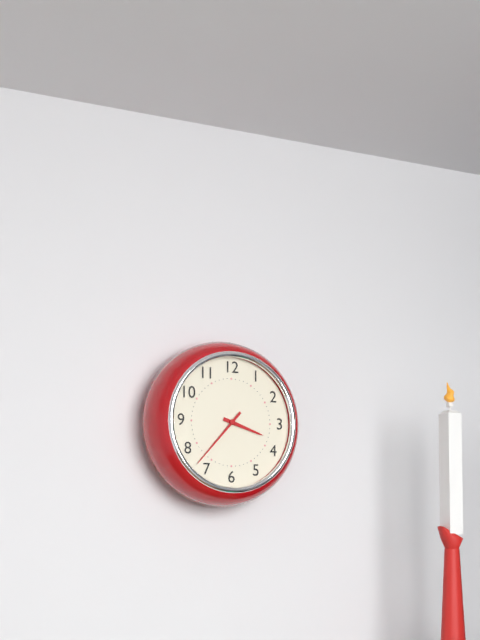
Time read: 3:37
